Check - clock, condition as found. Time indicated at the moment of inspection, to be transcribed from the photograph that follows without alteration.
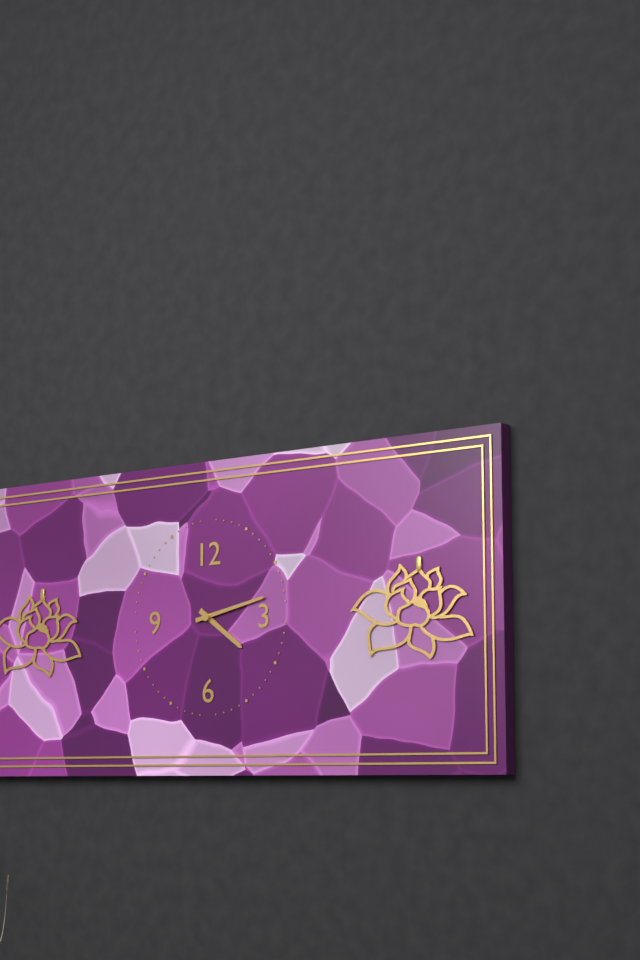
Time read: 4:13
